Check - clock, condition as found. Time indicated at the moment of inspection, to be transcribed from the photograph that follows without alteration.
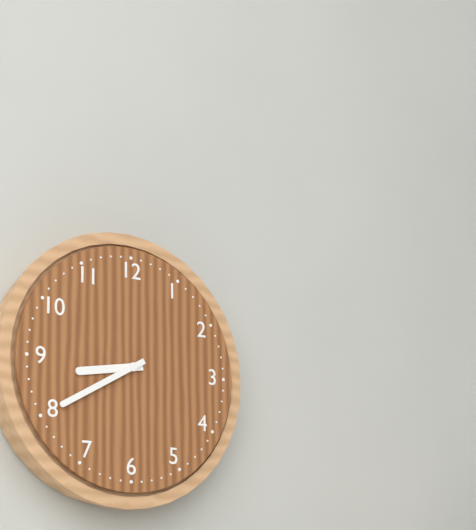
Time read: 8:40
